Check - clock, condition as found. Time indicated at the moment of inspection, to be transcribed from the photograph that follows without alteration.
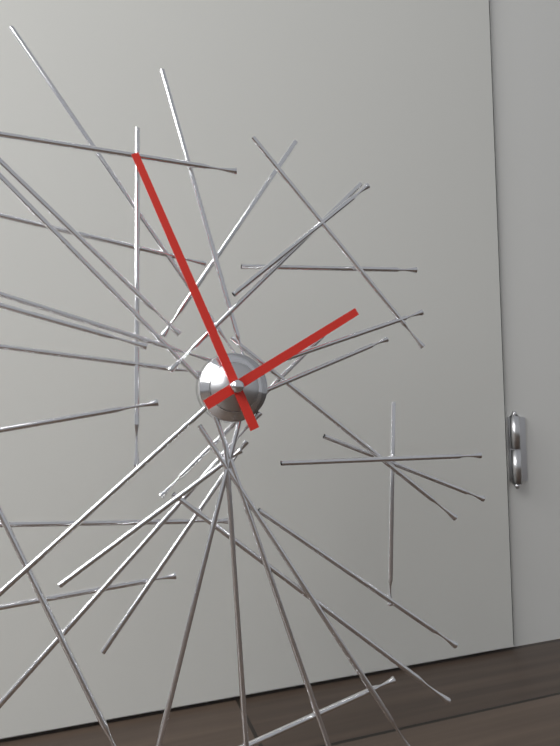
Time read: 1:56
